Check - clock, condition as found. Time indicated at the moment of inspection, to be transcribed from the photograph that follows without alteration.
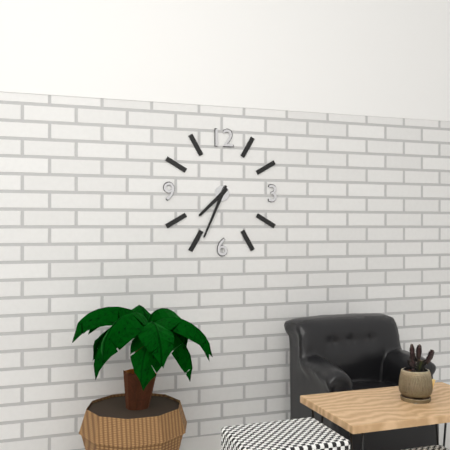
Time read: 7:34
